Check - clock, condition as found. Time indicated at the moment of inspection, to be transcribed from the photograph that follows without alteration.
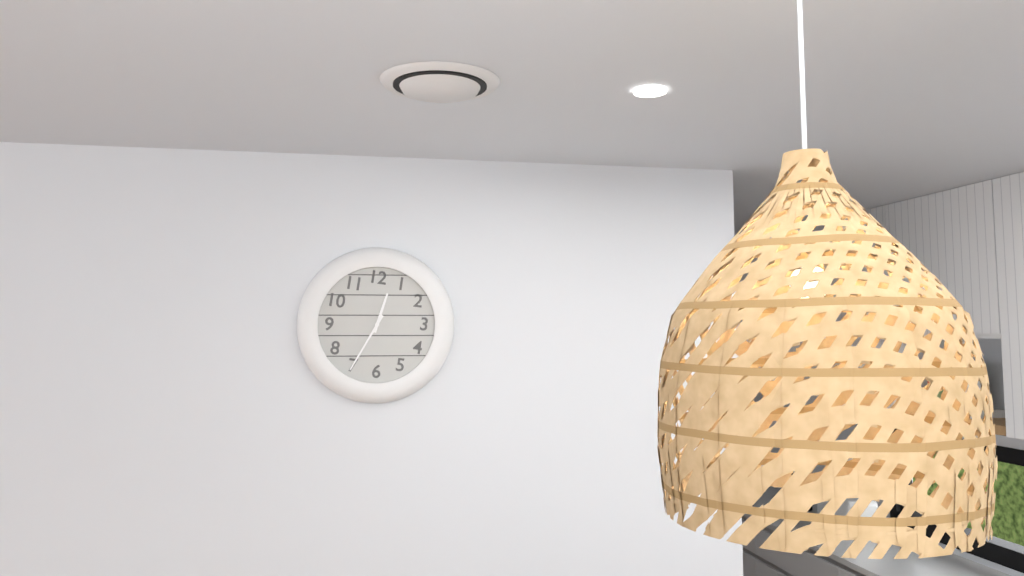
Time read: 12:35
